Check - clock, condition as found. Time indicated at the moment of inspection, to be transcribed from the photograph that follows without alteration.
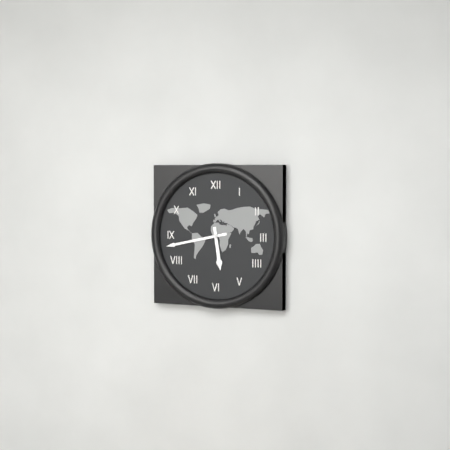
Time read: 5:43
